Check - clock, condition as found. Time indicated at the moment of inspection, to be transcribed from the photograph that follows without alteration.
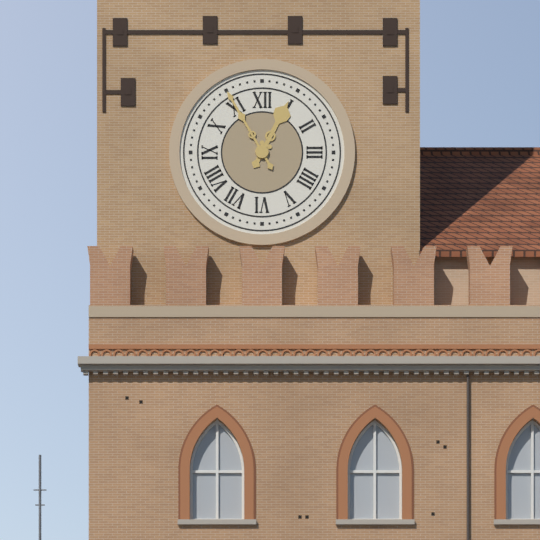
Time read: 12:55
